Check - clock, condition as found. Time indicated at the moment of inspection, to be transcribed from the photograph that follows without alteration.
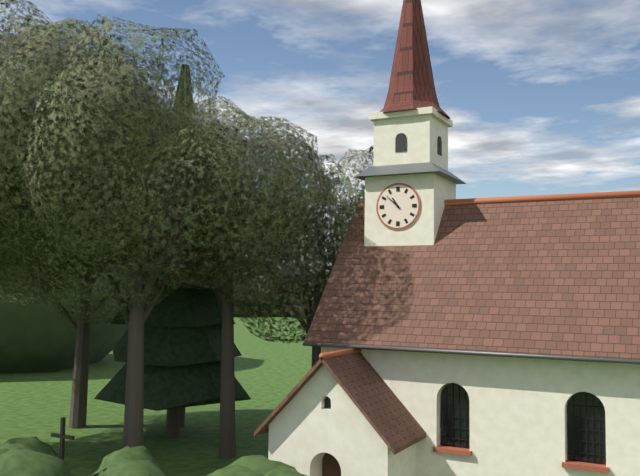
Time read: 10:52
